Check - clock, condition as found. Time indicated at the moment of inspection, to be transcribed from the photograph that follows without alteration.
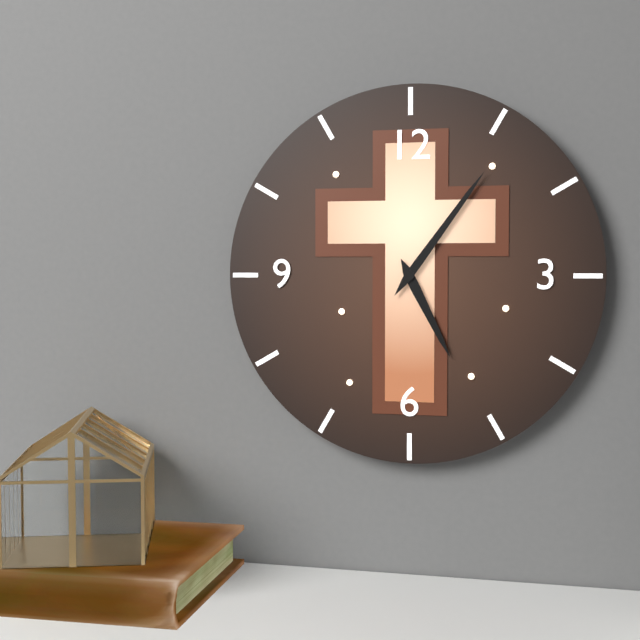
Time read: 5:06
